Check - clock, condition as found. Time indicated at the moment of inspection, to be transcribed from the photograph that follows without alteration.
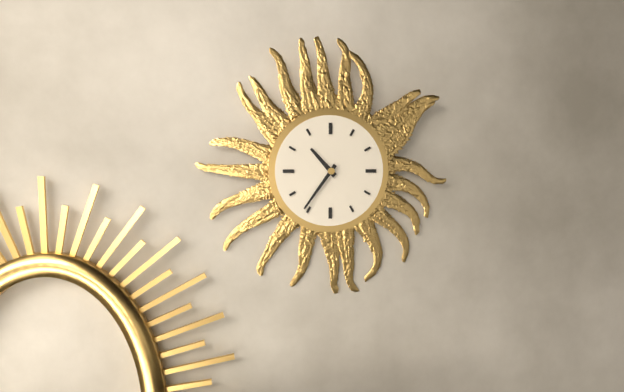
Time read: 10:36
